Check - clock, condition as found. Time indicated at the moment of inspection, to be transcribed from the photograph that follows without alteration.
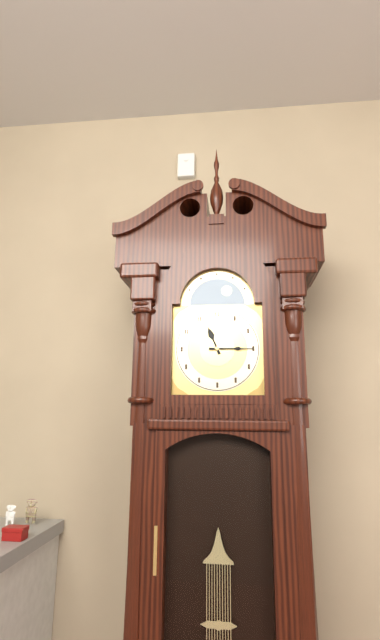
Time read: 11:15
